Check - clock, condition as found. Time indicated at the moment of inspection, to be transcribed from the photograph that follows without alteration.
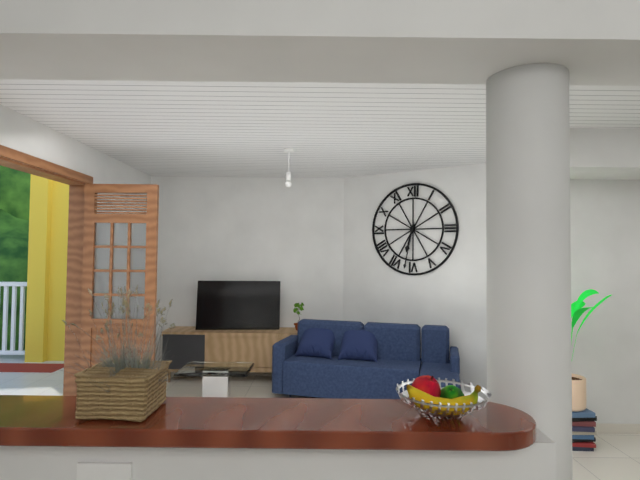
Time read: 6:32
